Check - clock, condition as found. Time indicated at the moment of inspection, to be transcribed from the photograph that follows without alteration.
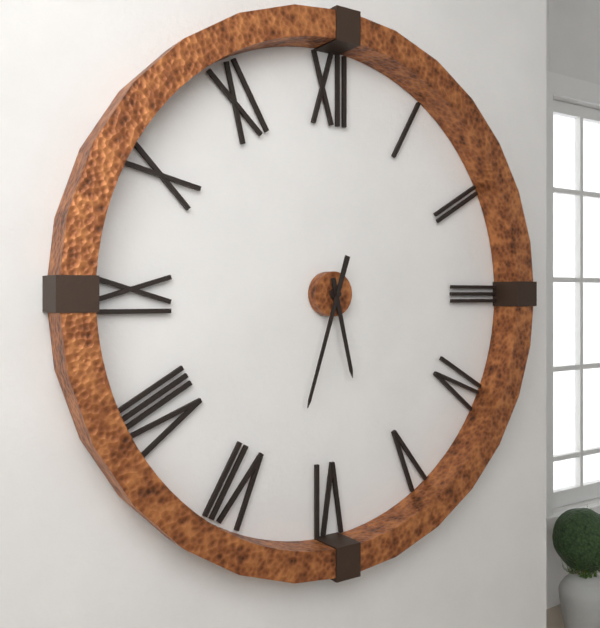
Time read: 5:33
